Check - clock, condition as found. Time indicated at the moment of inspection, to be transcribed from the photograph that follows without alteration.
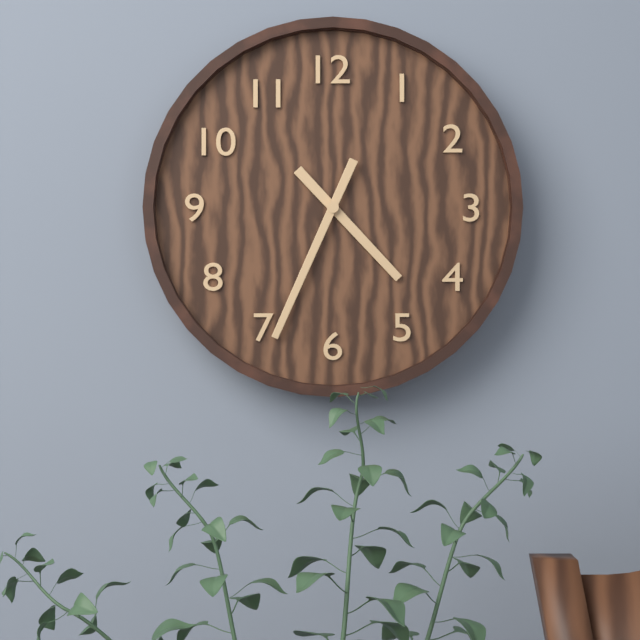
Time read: 4:34
